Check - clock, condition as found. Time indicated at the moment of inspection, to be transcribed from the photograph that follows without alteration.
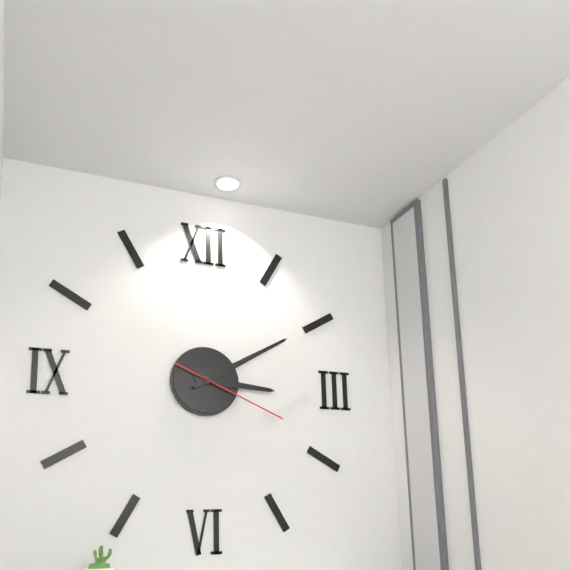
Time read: 3:10:19
